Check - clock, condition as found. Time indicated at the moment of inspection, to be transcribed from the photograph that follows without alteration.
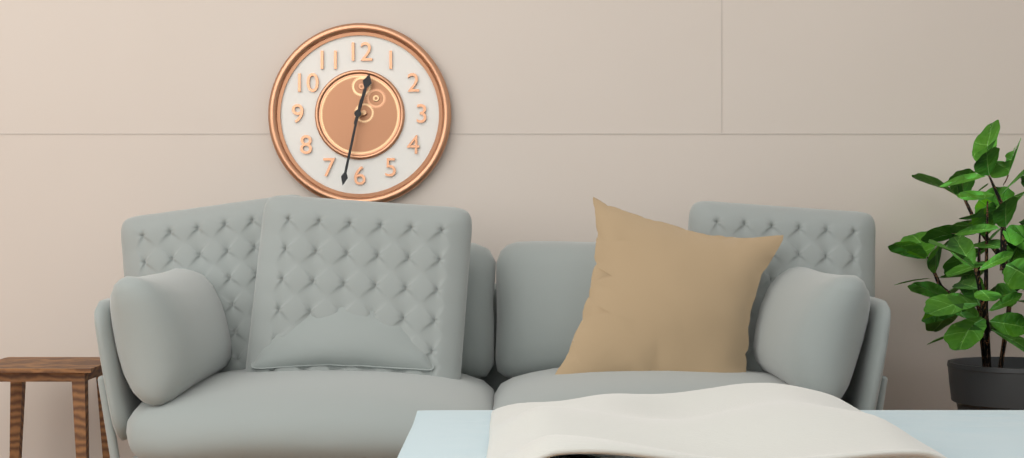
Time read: 12:32
